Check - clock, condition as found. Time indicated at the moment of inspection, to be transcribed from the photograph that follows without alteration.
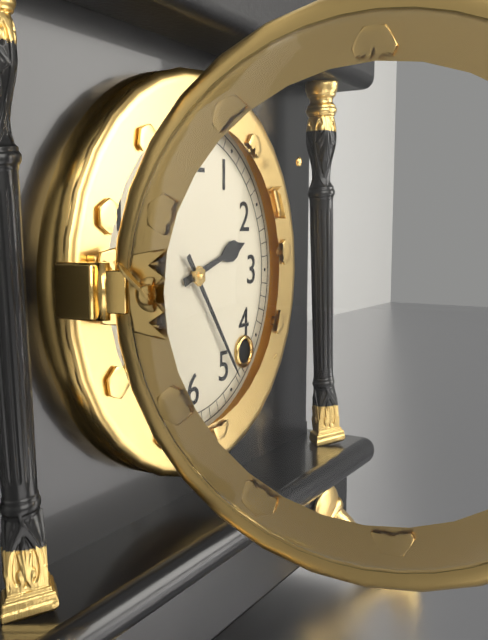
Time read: 2:24
